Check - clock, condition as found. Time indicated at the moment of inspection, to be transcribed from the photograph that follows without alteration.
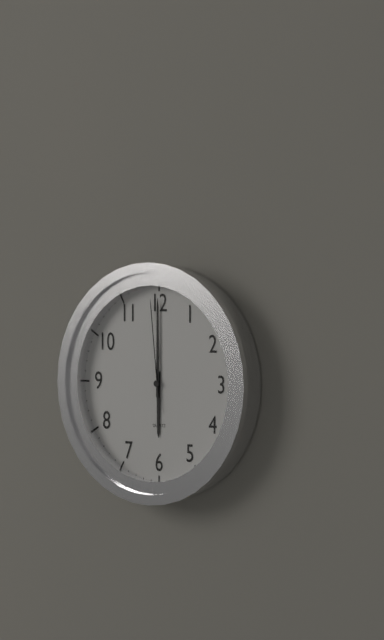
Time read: 6:00:59
